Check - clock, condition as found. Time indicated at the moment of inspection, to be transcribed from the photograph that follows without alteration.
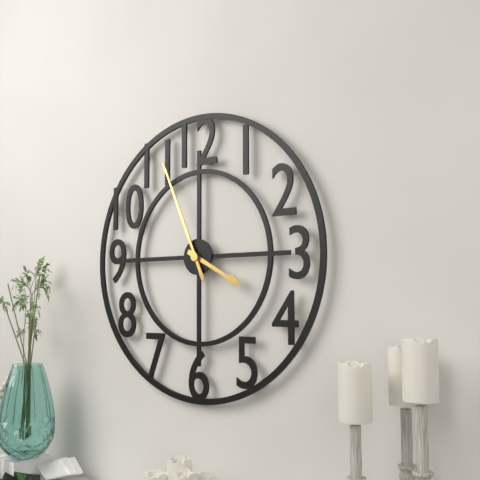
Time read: 3:56
